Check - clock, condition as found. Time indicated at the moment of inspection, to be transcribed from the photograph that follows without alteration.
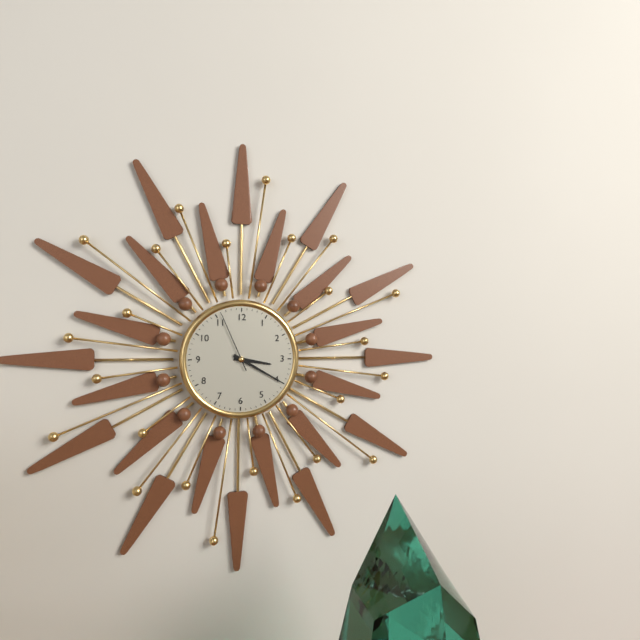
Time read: 3:20:56
